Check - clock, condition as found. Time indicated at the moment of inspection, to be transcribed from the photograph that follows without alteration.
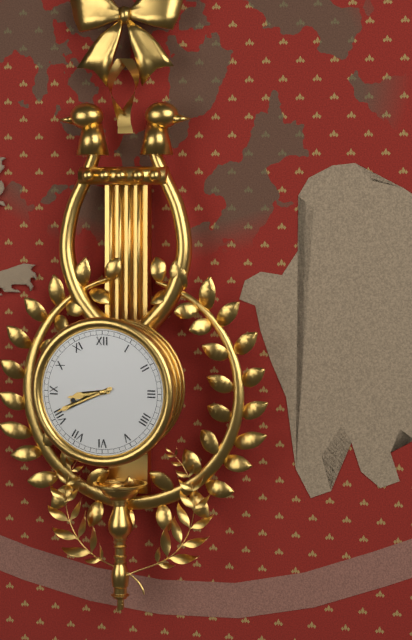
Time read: 8:41
